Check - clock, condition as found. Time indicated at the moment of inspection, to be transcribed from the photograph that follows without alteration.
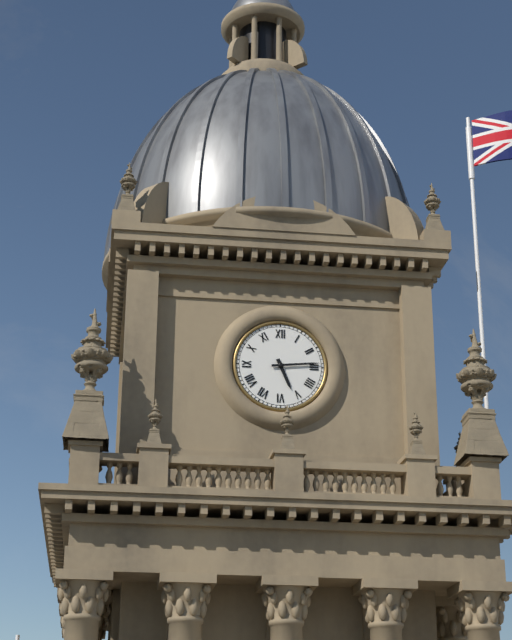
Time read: 5:14
